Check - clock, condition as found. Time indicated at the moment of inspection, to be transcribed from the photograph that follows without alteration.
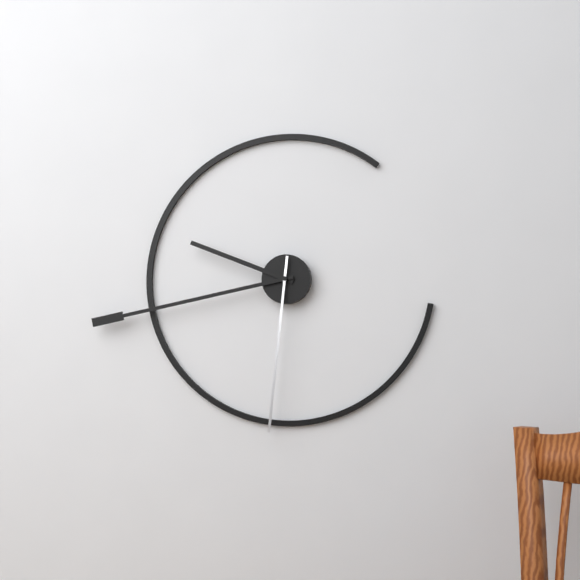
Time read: 9:43:31
